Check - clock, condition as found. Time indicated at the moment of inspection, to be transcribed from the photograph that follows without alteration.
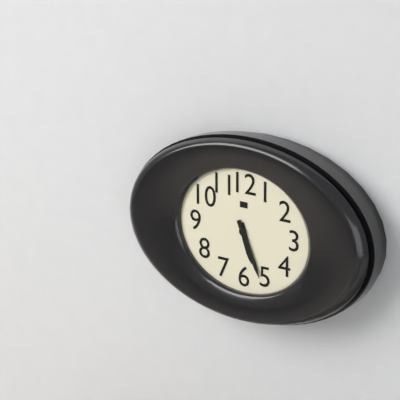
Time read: 5:26
